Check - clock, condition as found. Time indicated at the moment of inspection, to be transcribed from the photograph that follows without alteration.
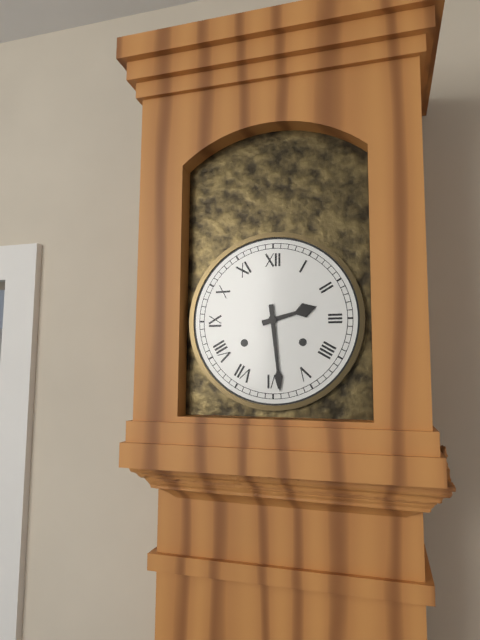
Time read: 2:29
